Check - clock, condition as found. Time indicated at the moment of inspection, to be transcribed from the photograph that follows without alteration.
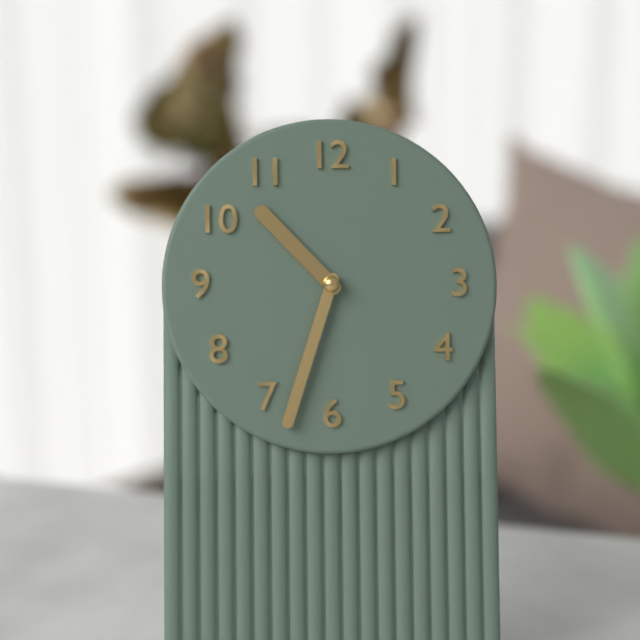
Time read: 10:33
